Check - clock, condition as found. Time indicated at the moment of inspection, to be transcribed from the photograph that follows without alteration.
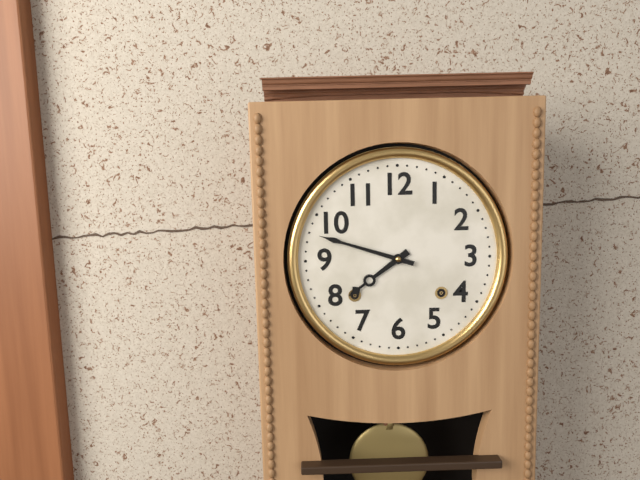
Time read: 7:48
